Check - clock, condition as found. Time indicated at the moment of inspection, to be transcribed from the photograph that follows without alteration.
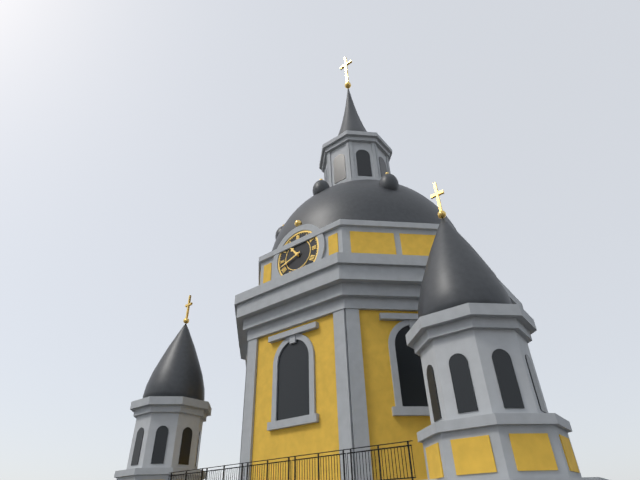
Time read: 10:42
